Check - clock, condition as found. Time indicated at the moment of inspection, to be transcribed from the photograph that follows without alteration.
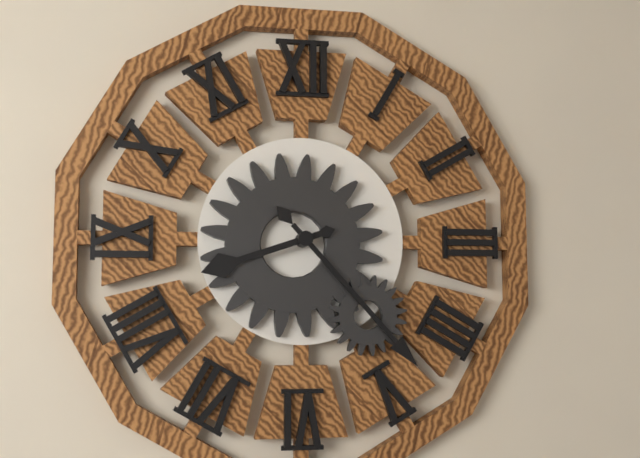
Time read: 8:23
